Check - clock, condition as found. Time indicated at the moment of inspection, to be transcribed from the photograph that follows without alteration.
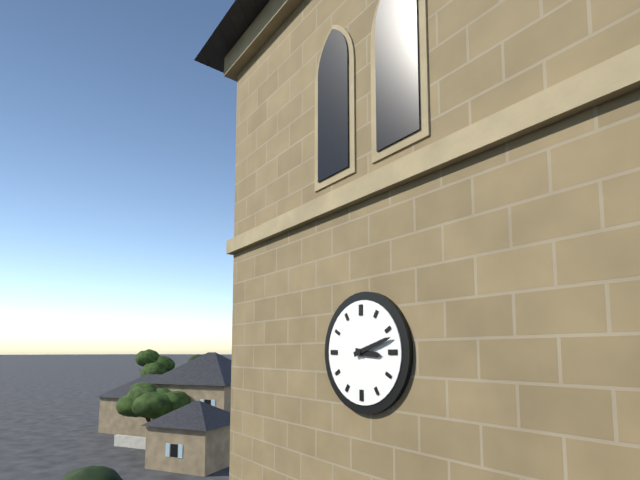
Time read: 3:12
